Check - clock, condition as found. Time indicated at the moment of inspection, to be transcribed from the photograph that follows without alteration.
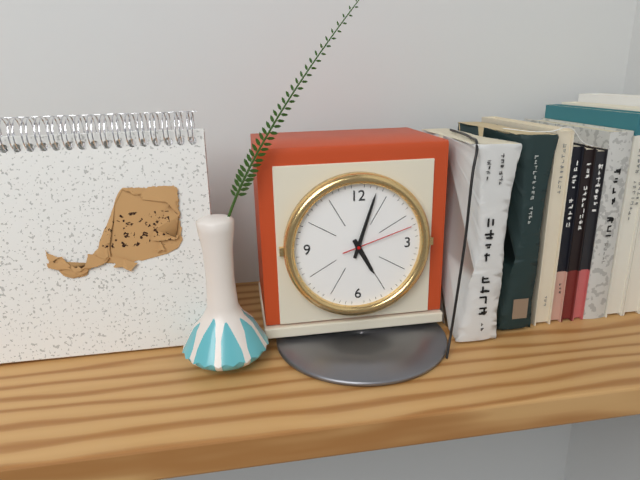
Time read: 5:03:12
